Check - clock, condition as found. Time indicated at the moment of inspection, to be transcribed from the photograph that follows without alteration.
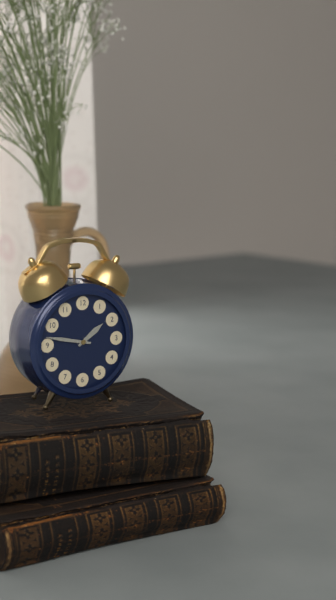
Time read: 1:47
